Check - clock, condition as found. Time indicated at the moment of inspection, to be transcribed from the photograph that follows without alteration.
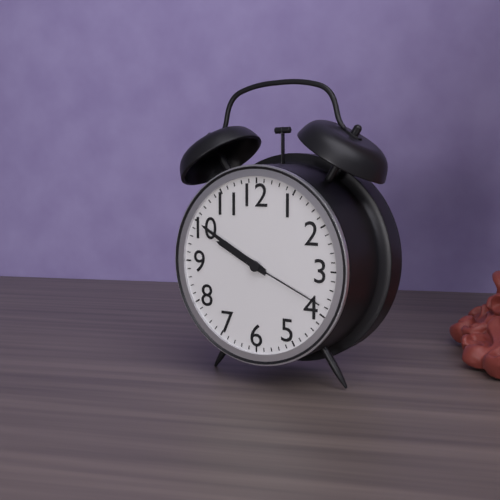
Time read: 9:50:19
